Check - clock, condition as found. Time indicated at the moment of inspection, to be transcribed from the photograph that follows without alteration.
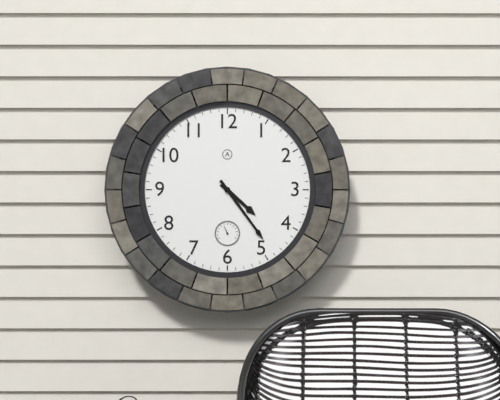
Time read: 4:24
